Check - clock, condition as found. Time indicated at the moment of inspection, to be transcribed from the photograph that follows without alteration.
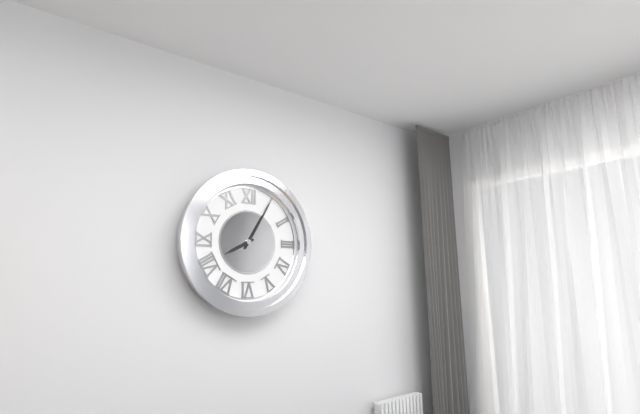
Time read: 8:05
